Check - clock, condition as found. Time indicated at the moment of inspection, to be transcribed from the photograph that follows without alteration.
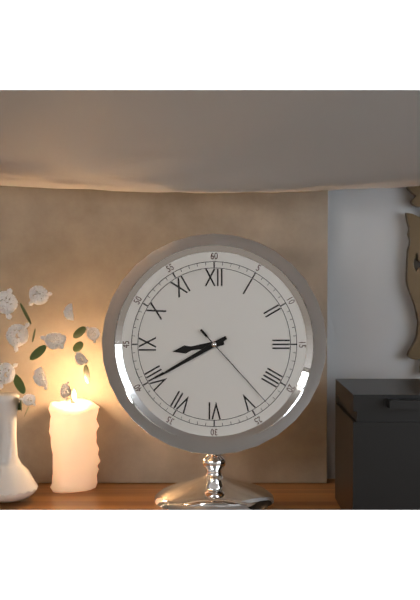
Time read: 8:40:23
